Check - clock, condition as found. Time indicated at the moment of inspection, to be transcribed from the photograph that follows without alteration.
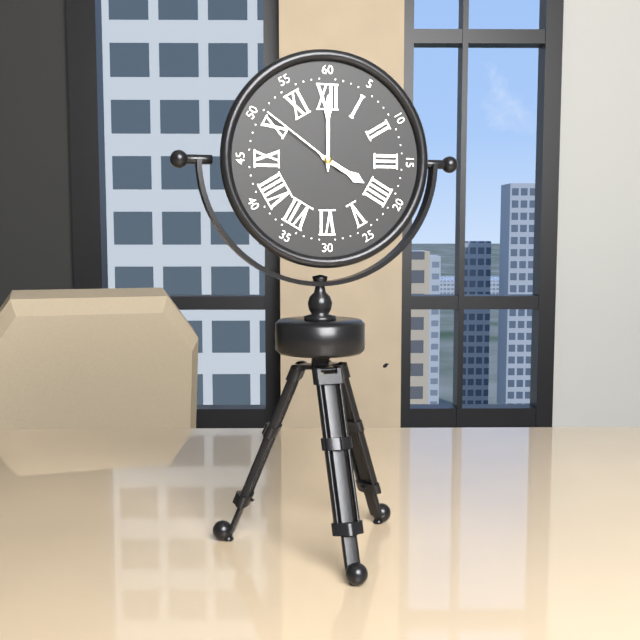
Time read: 4:00:51
